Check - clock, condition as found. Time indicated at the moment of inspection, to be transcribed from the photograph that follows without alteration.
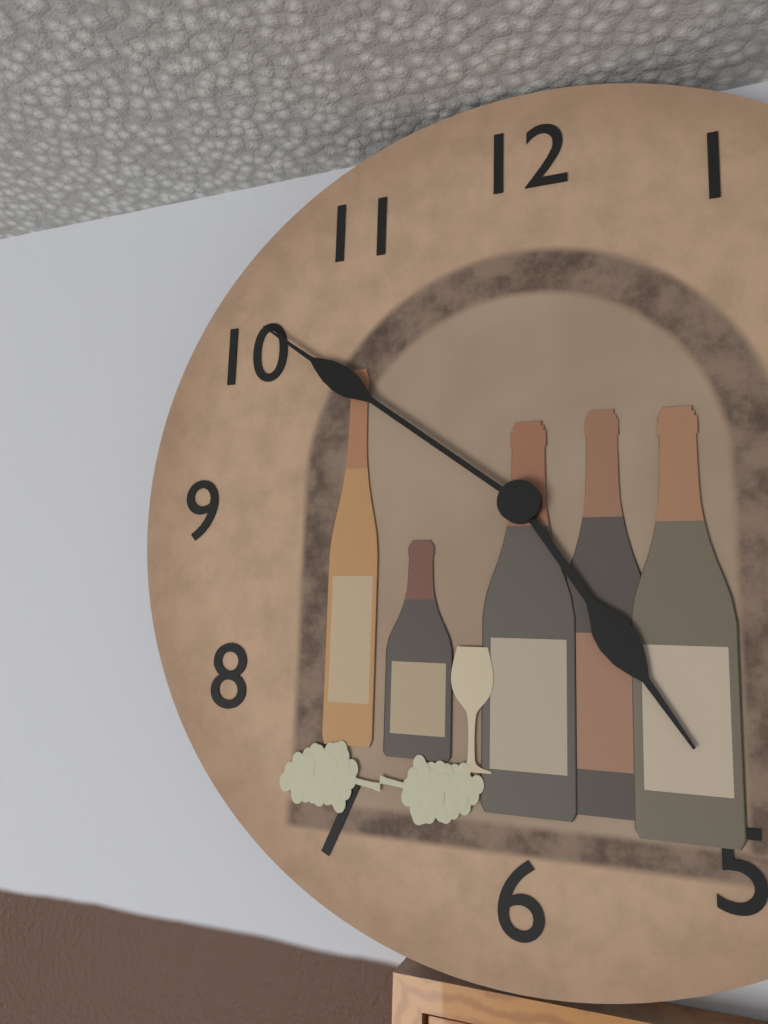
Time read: 4:51
